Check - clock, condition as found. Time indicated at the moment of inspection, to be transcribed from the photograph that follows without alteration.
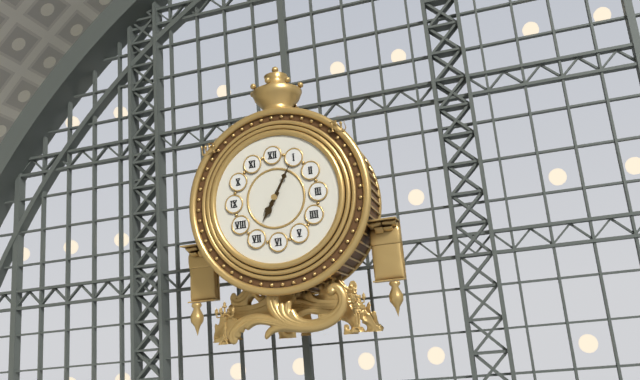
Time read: 7:05
